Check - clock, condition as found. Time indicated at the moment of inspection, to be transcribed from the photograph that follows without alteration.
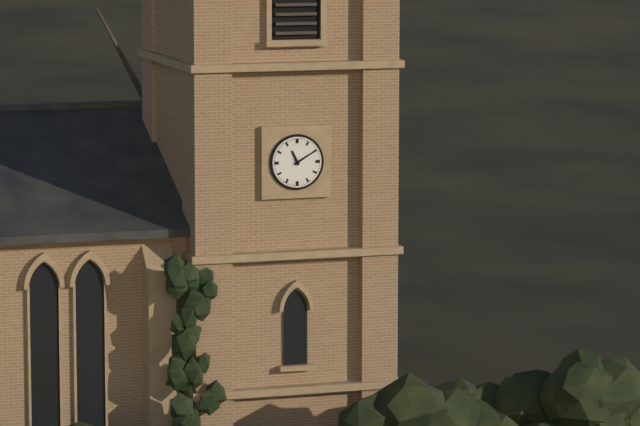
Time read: 11:10
